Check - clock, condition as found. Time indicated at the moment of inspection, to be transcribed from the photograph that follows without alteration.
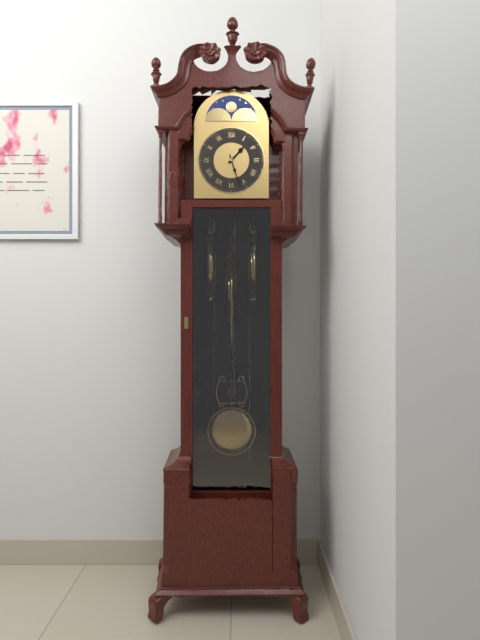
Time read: 1:27
